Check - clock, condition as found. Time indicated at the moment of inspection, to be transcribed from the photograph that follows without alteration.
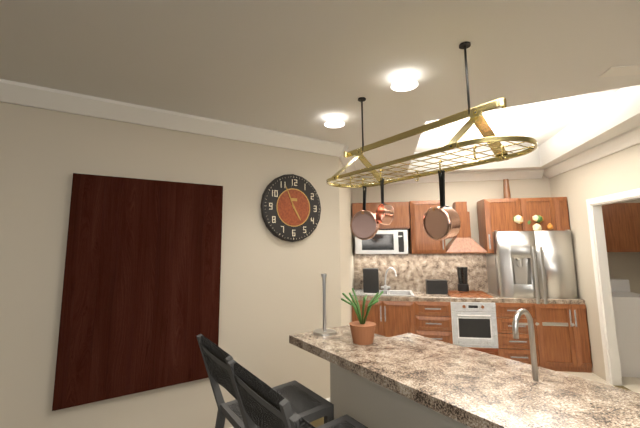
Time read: 4:56
